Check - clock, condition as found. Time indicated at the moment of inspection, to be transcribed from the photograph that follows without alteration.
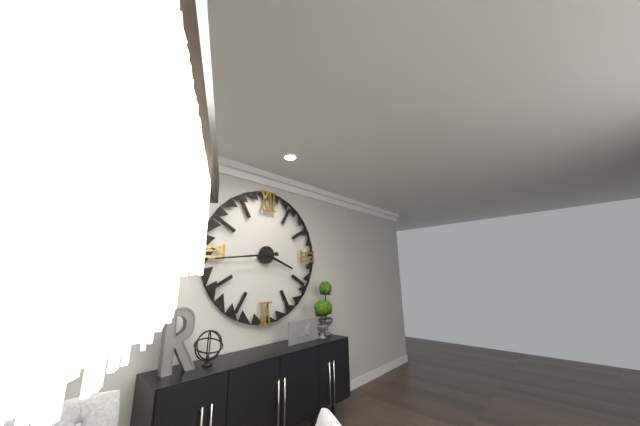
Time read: 3:44
